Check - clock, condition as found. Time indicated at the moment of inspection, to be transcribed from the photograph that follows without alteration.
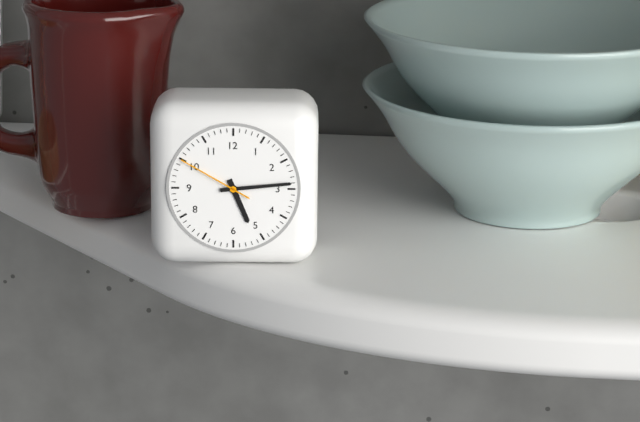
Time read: 5:14:50
